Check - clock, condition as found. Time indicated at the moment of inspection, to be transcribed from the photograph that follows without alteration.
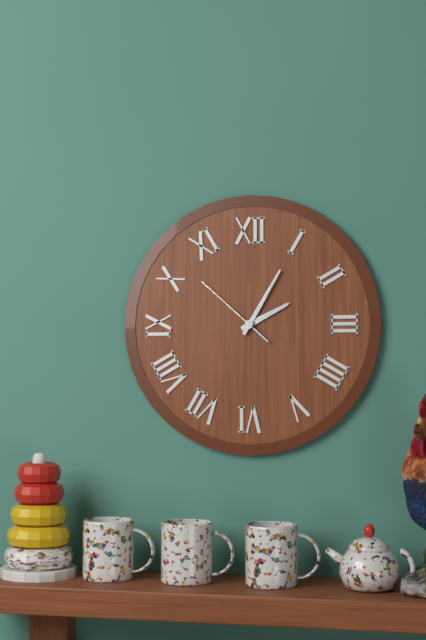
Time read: 2:05:52
